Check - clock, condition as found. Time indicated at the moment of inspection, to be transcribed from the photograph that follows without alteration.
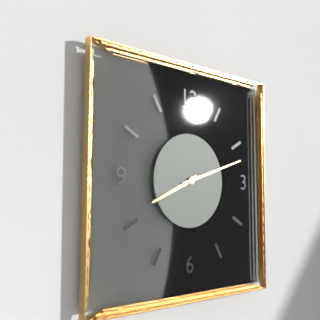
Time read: 8:12
